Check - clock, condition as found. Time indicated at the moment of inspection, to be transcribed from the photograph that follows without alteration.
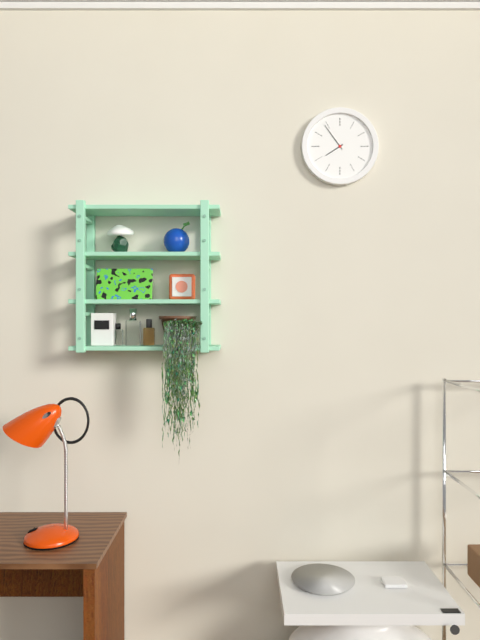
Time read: 7:54
